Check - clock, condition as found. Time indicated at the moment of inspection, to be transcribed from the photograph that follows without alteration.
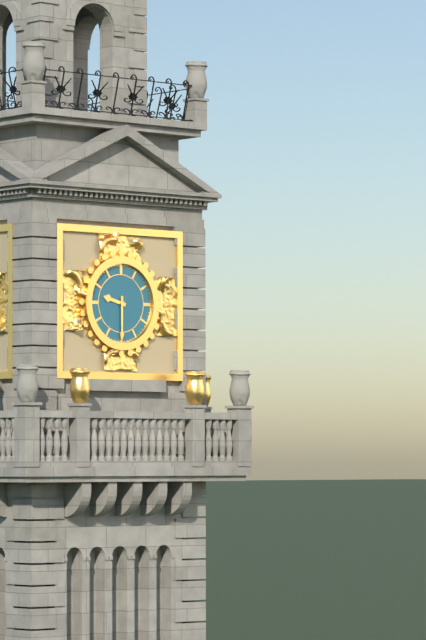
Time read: 9:30
